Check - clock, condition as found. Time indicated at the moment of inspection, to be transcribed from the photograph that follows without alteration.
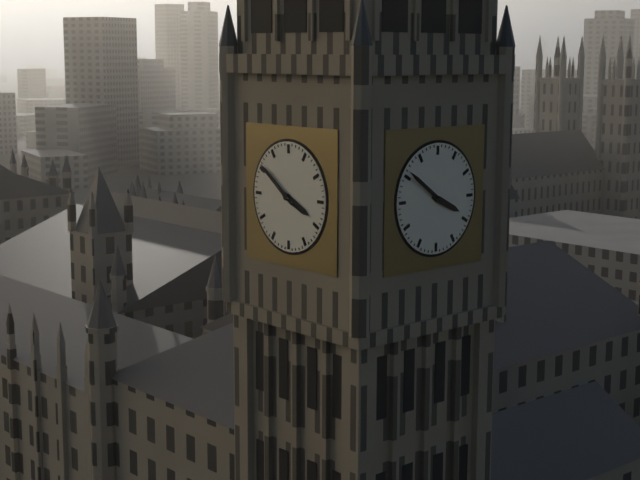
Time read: 3:51
